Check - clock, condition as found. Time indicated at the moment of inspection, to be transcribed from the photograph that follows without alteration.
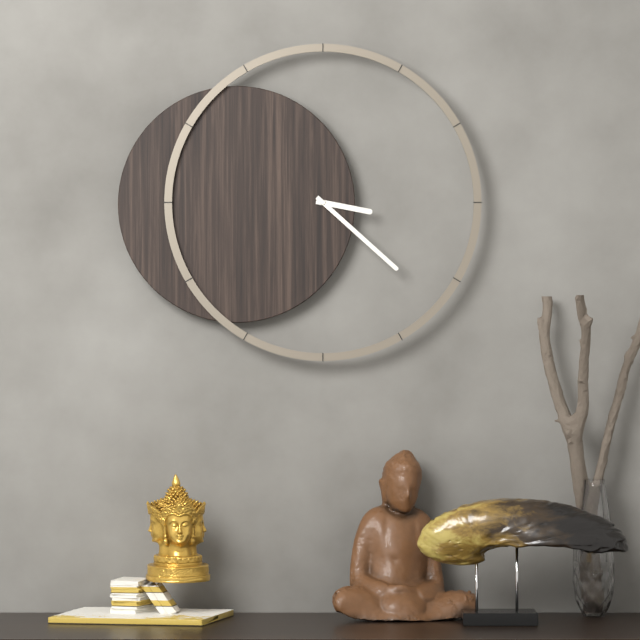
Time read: 3:22
